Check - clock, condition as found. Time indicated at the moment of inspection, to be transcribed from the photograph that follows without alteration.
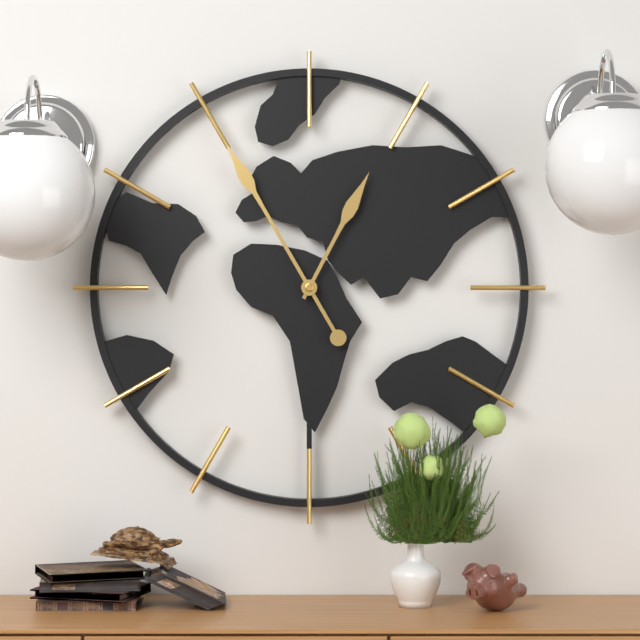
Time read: 12:55
